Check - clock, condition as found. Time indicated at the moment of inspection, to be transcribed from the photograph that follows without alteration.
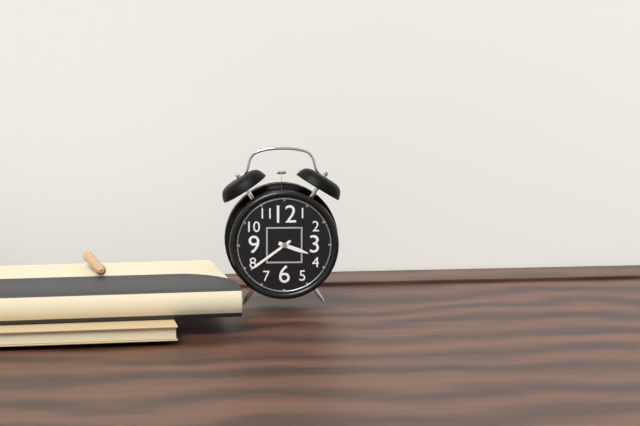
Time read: 3:39
